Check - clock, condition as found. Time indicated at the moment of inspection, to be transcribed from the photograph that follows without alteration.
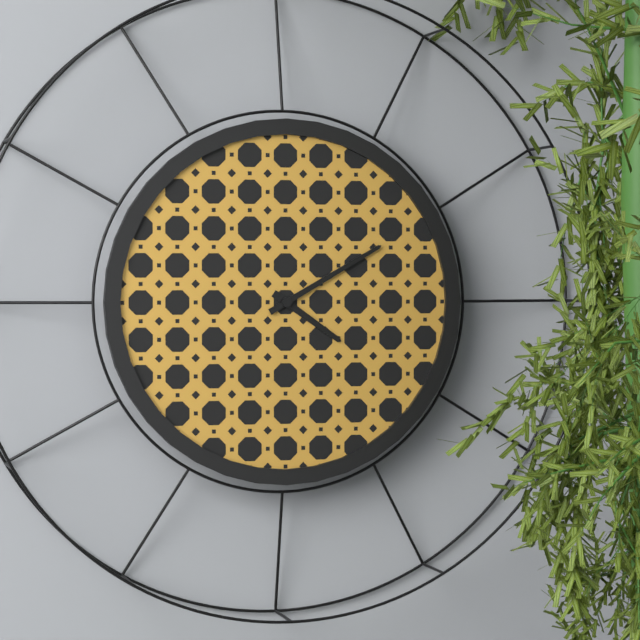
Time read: 4:10
